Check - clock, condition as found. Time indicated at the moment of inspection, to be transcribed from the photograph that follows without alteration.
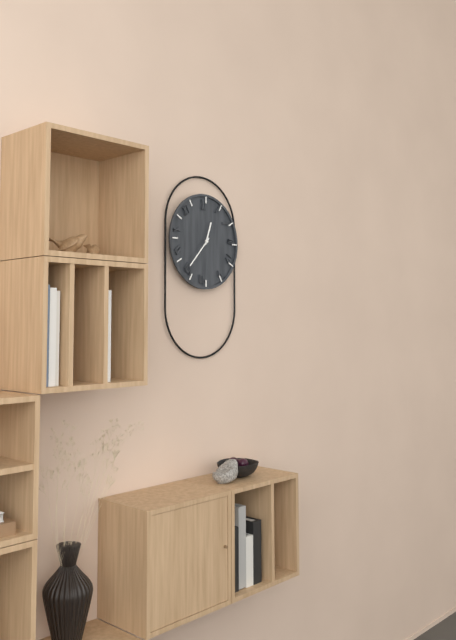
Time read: 12:37
